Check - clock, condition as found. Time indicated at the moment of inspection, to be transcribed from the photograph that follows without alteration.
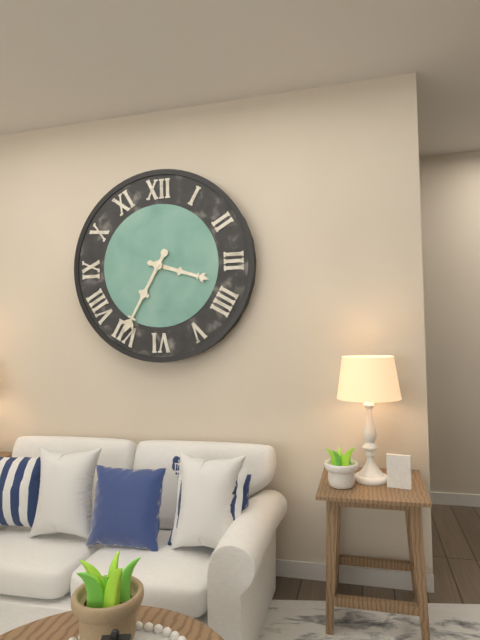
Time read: 3:35
